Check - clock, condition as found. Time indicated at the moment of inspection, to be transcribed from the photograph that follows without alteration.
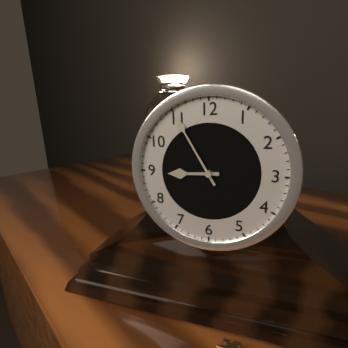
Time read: 8:55
